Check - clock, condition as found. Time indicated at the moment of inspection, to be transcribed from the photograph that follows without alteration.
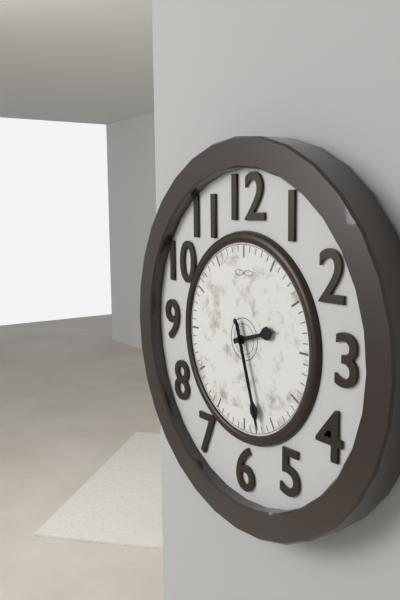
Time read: 2:27:27
